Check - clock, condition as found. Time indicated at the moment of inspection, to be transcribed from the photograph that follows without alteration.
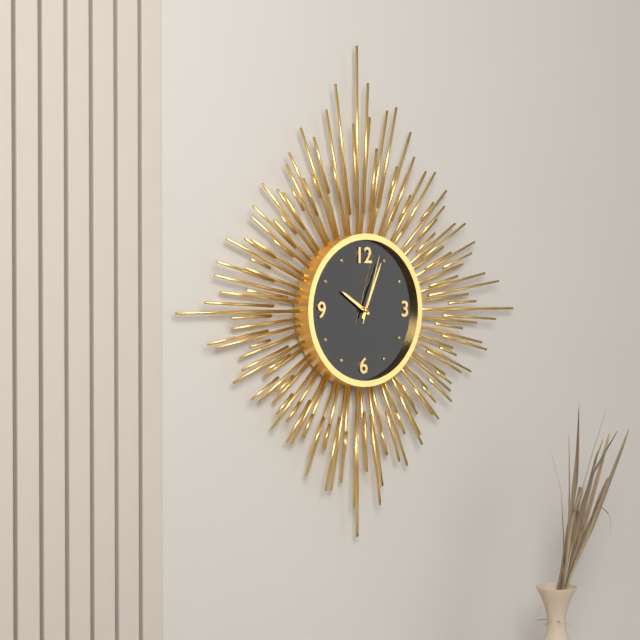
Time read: 10:04:03
